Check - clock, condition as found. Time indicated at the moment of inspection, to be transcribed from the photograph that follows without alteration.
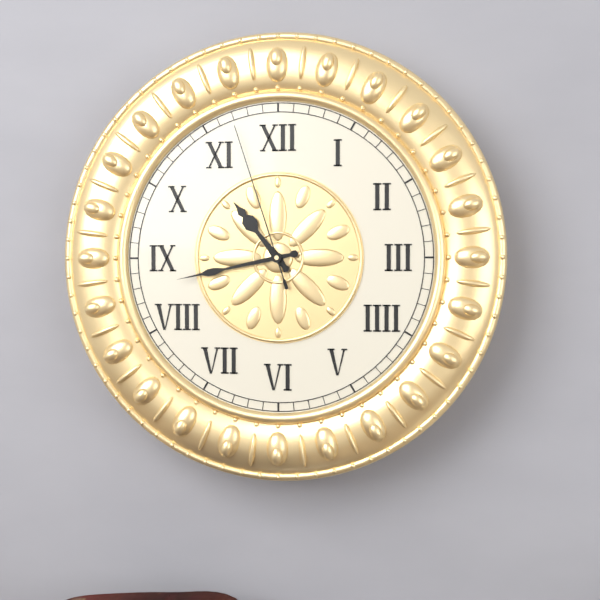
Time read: 10:43:57
